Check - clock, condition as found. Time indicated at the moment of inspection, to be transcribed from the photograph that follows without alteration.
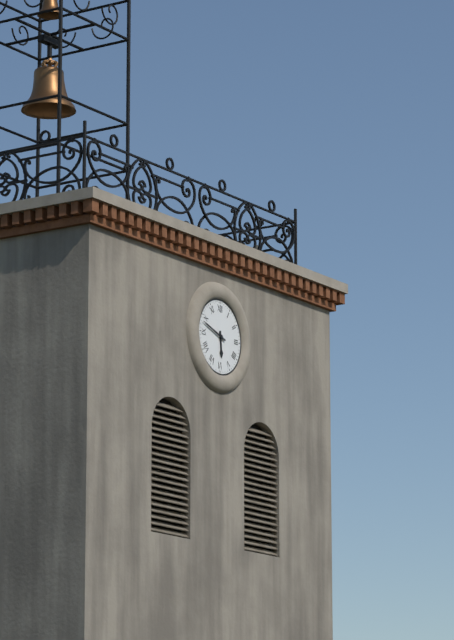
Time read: 5:48
